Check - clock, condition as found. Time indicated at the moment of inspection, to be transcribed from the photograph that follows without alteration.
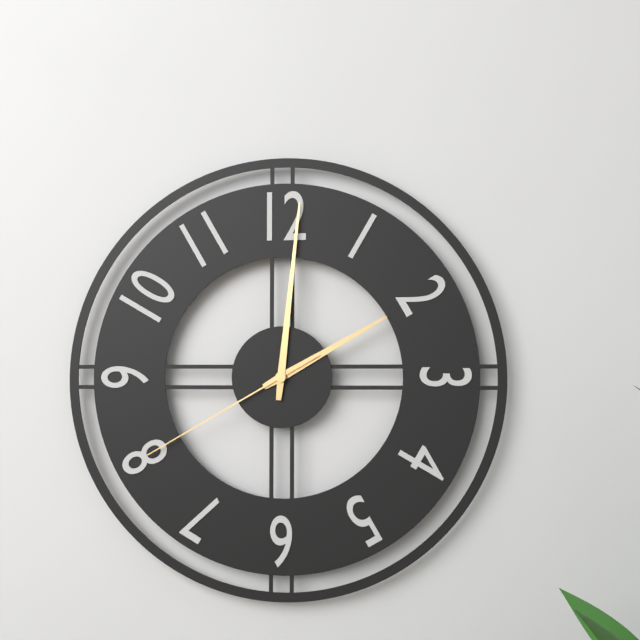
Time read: 2:01:40
